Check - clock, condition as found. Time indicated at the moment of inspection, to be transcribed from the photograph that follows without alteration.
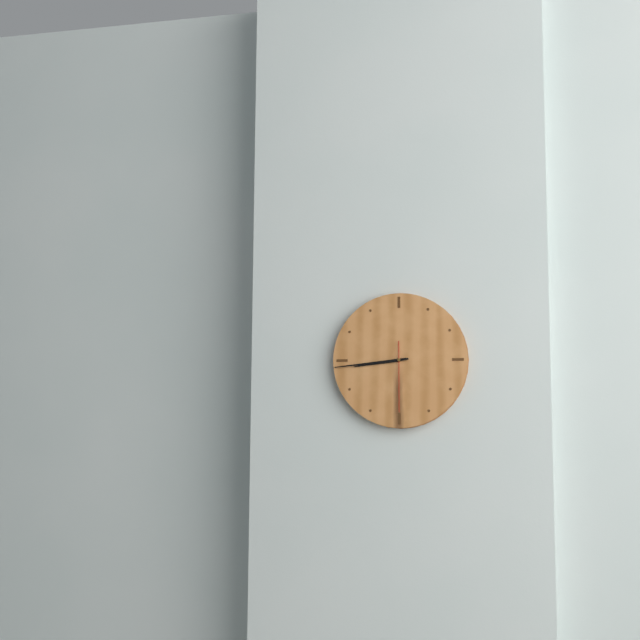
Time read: 8:44:30
